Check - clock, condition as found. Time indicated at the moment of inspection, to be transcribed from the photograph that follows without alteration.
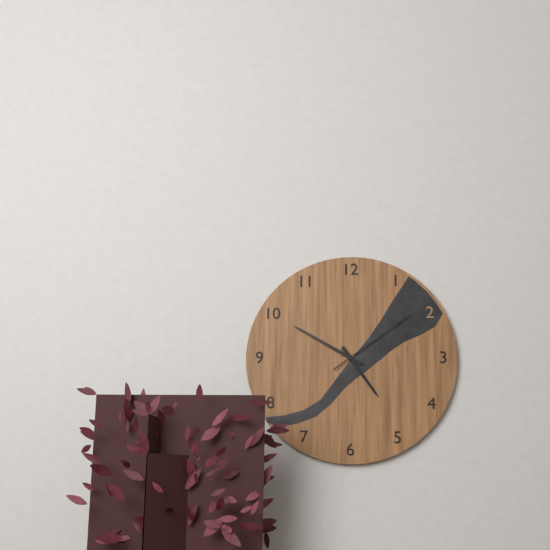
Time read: 4:50:09
